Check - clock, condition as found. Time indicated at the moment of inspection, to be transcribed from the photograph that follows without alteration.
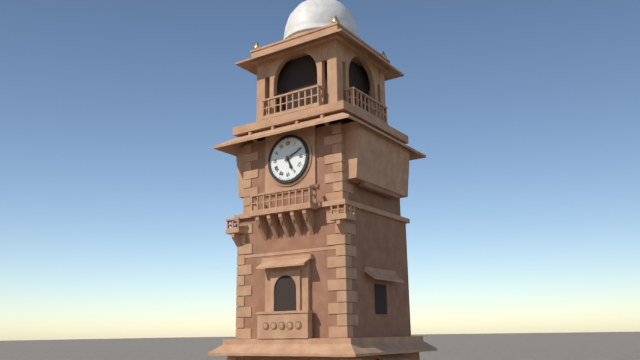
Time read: 5:11
